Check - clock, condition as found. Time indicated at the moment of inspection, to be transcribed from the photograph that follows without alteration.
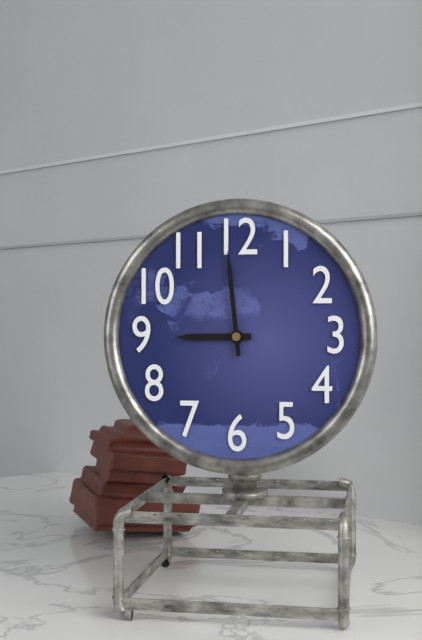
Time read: 8:59
